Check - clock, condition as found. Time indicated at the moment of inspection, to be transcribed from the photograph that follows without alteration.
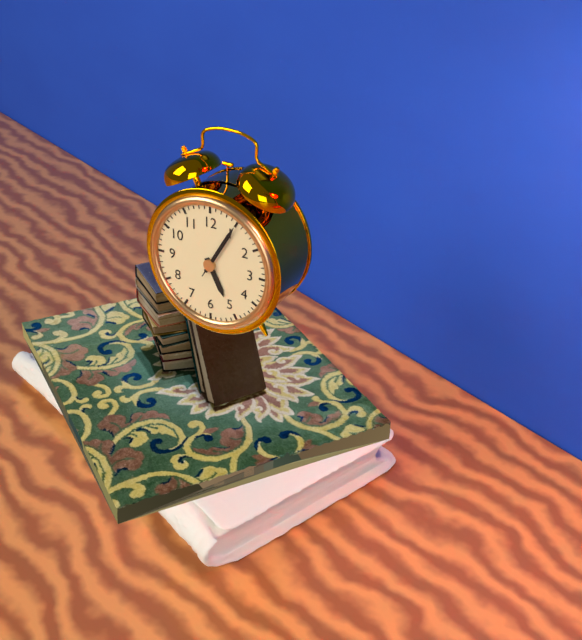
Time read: 5:05:05
